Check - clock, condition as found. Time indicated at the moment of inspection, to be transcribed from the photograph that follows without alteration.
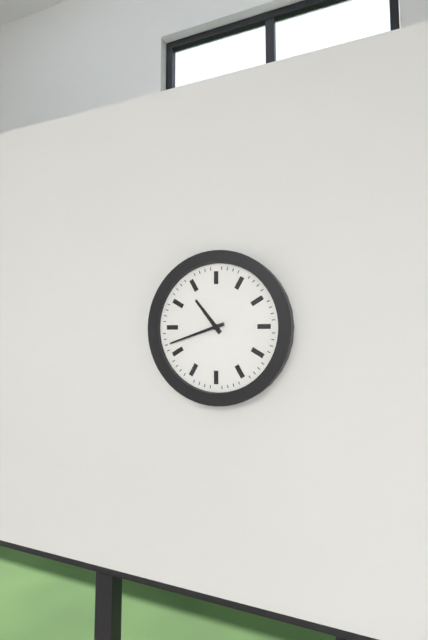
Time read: 10:42
